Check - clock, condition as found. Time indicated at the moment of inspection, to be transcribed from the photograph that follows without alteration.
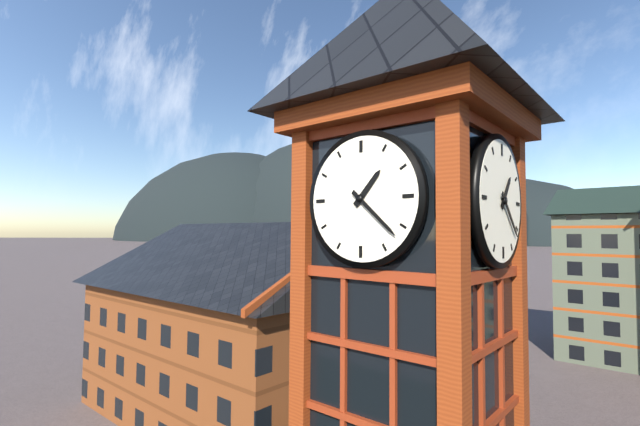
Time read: 1:22
